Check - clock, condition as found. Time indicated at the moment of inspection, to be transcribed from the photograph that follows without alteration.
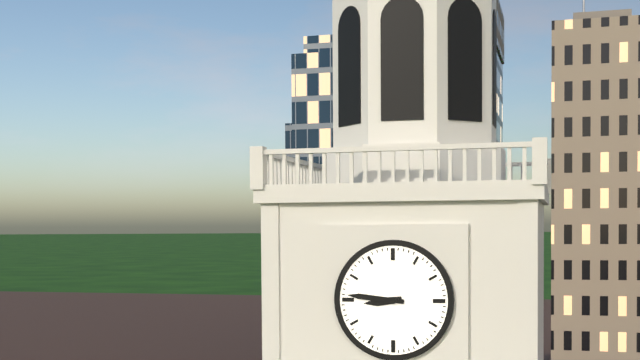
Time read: 8:46
